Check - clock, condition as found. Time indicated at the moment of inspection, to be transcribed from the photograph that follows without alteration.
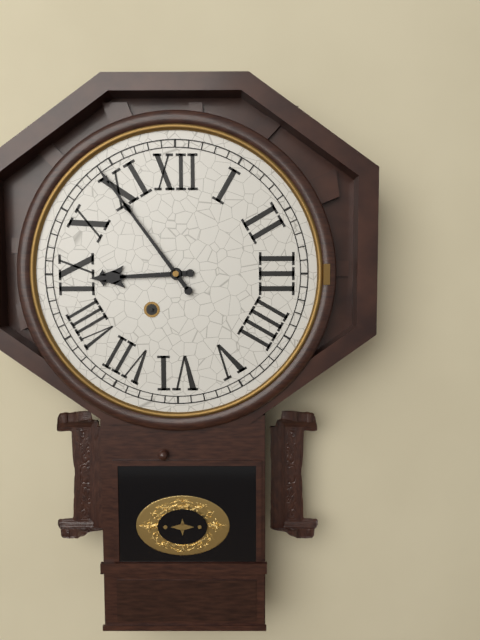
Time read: 8:54
